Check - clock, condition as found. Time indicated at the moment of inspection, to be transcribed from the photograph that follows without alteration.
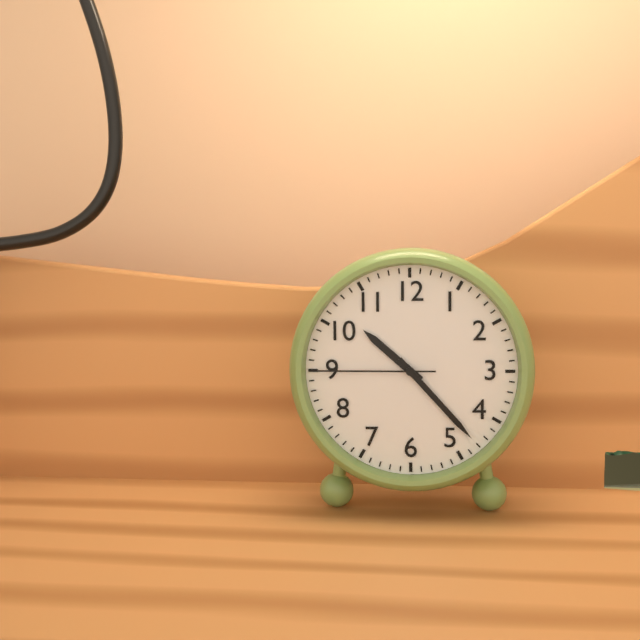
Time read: 10:23:45
